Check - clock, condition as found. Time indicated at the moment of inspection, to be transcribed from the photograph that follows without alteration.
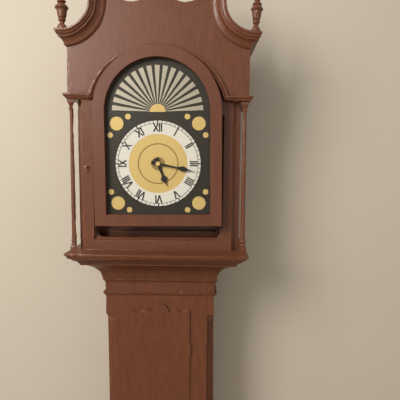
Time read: 5:17
